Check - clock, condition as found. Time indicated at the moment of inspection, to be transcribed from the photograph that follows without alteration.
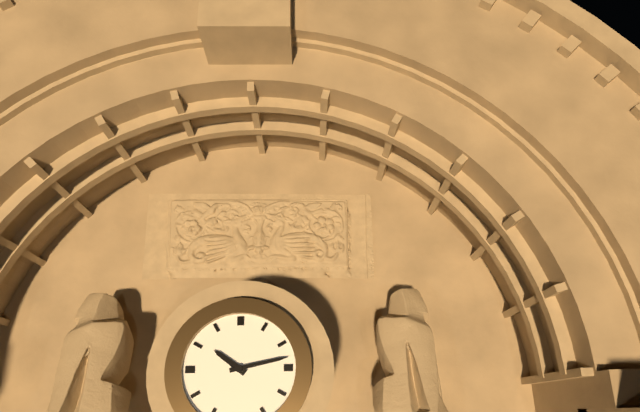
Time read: 10:13
